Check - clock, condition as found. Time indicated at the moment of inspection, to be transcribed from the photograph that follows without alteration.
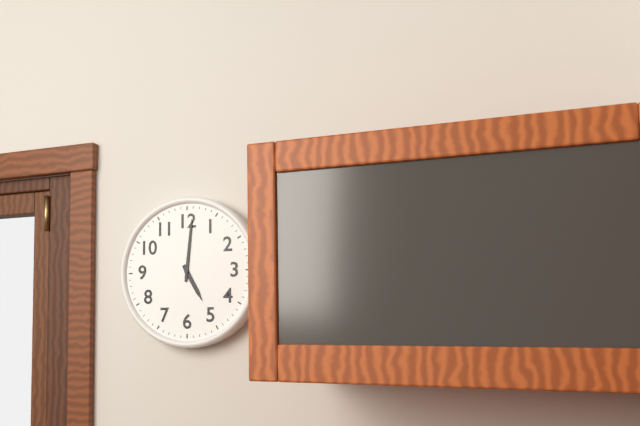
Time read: 5:01
